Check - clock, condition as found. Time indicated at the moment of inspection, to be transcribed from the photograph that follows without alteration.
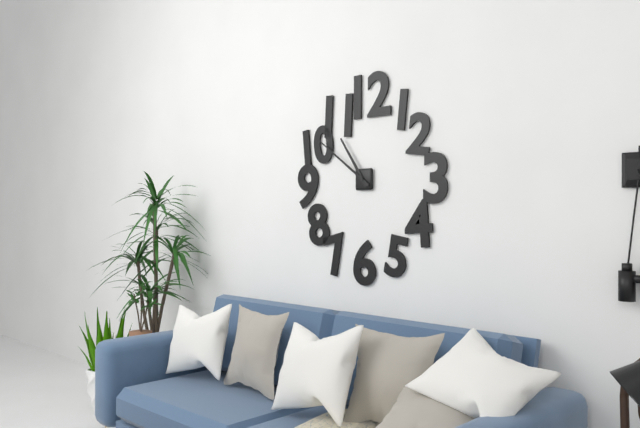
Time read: 10:51
